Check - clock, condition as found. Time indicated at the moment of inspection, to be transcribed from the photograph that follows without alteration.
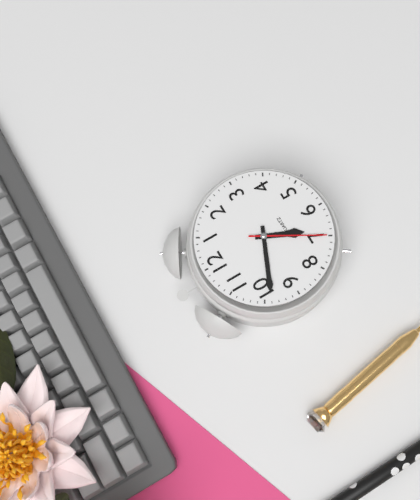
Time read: 6:49:35
